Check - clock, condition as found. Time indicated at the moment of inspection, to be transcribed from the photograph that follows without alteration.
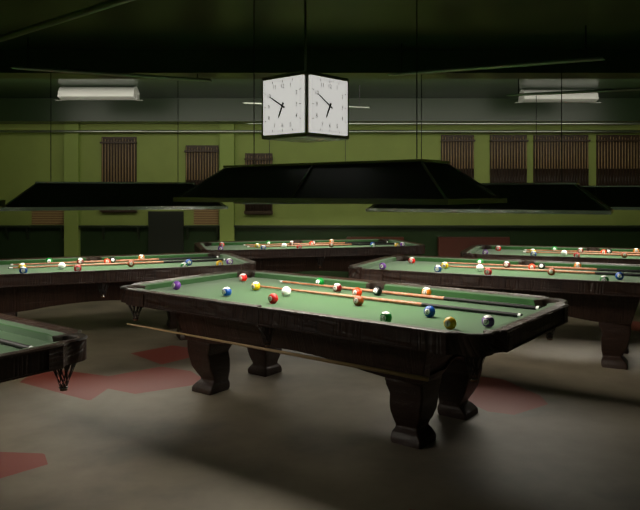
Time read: 6:50
